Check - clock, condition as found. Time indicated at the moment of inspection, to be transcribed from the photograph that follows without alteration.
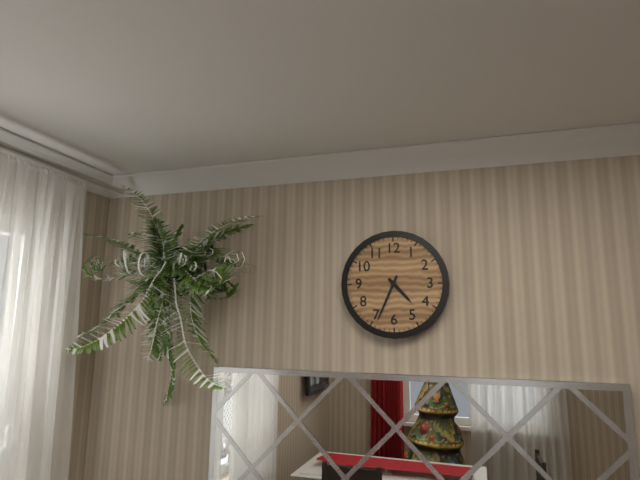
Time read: 4:34
